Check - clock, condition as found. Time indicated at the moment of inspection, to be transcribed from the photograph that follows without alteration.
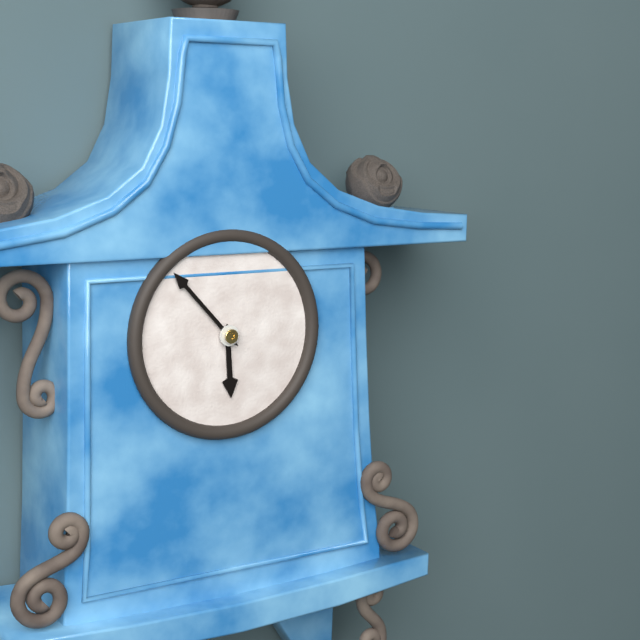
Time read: 5:53
